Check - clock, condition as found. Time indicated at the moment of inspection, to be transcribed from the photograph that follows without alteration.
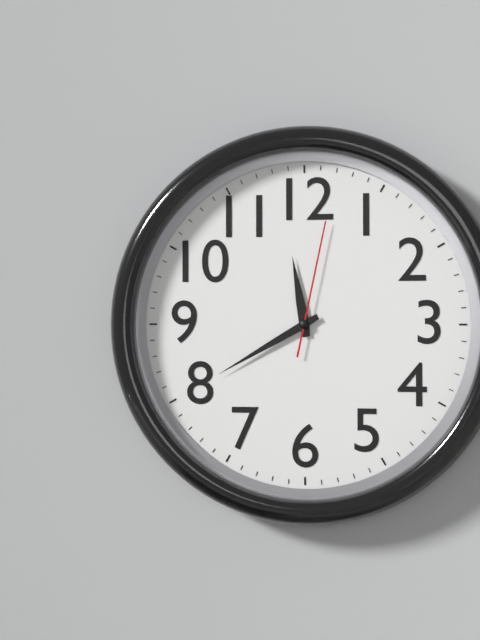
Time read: 11:40:02
